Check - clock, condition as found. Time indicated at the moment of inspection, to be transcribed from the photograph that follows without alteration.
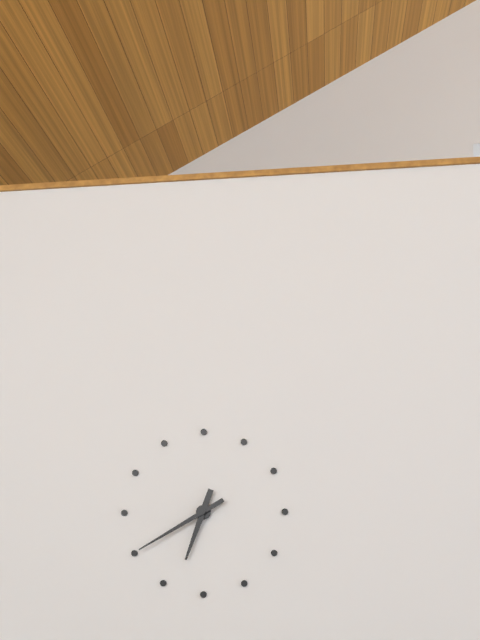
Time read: 6:40
